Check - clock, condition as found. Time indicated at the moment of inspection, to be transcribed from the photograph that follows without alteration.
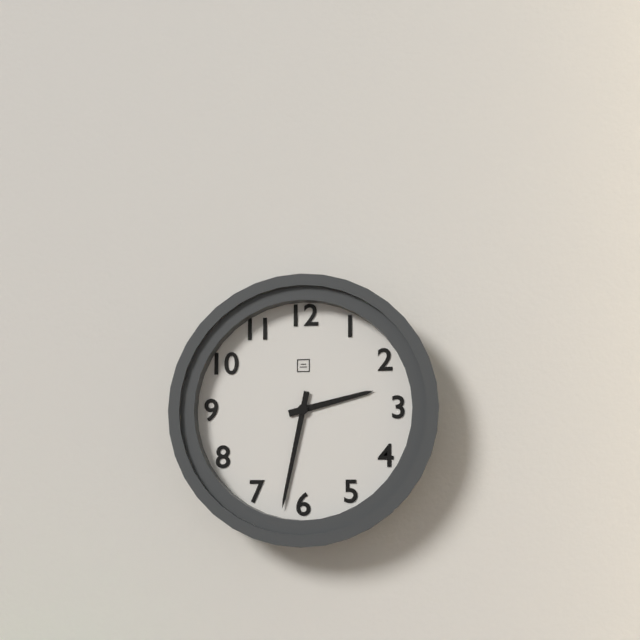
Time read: 2:32
